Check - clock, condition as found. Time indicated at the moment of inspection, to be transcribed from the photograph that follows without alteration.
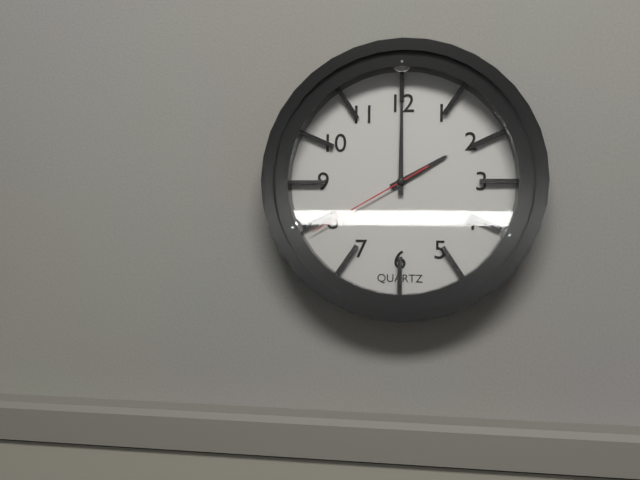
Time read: 2:00:40
